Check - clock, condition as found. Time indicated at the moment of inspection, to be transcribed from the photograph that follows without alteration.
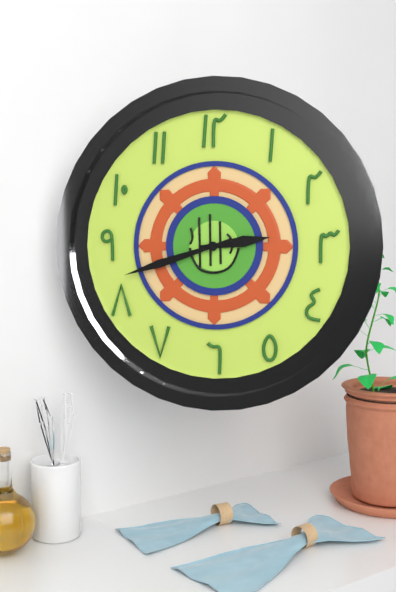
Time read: 2:42
